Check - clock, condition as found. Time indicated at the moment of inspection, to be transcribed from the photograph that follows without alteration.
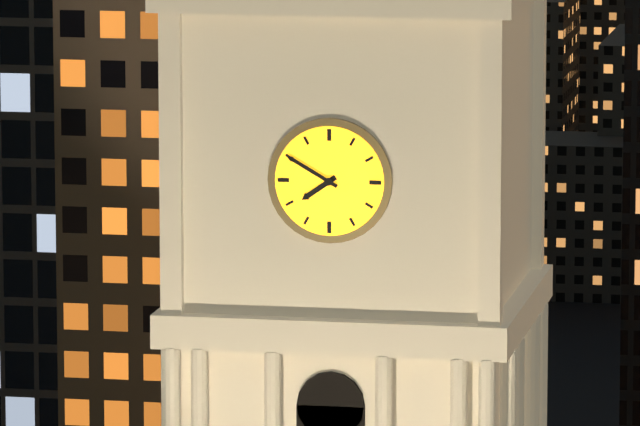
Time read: 7:50
